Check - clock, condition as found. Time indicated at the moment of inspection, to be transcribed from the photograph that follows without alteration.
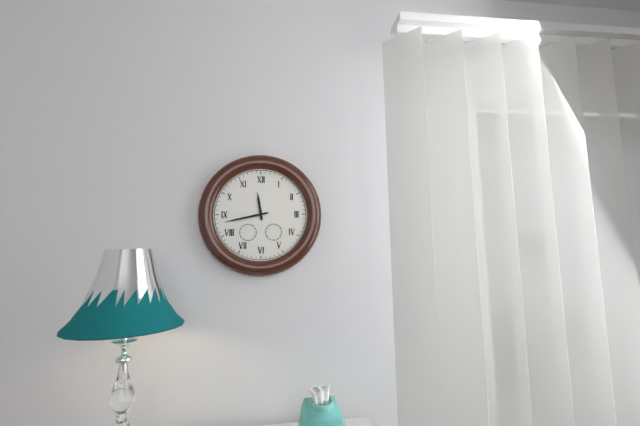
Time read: 11:43
